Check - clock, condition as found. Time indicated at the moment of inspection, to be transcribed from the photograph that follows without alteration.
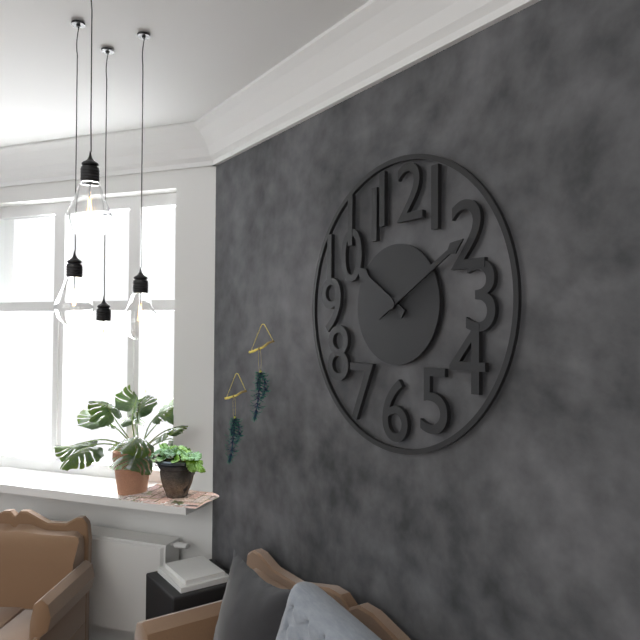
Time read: 10:10
